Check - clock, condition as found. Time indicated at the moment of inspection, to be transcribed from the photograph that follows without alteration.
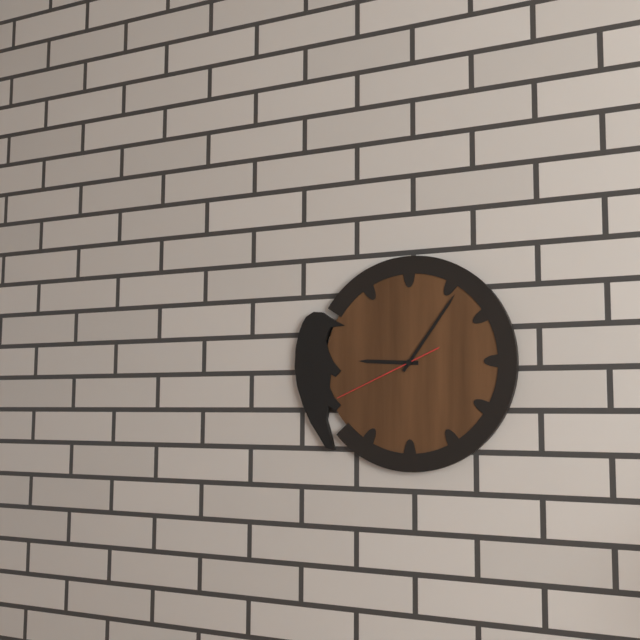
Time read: 9:06:41
